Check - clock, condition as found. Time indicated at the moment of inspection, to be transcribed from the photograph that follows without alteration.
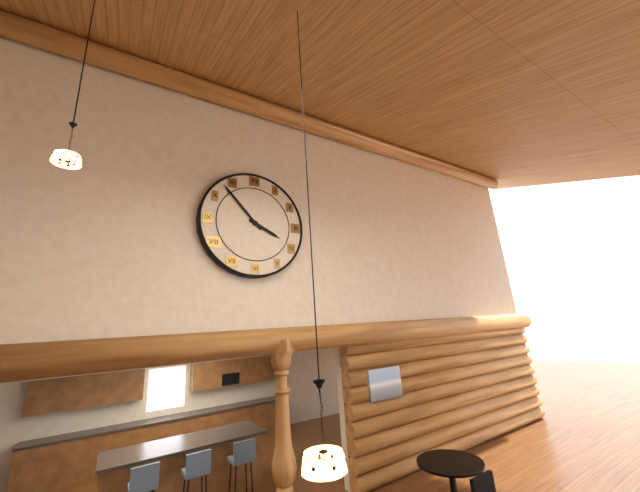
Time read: 3:53
